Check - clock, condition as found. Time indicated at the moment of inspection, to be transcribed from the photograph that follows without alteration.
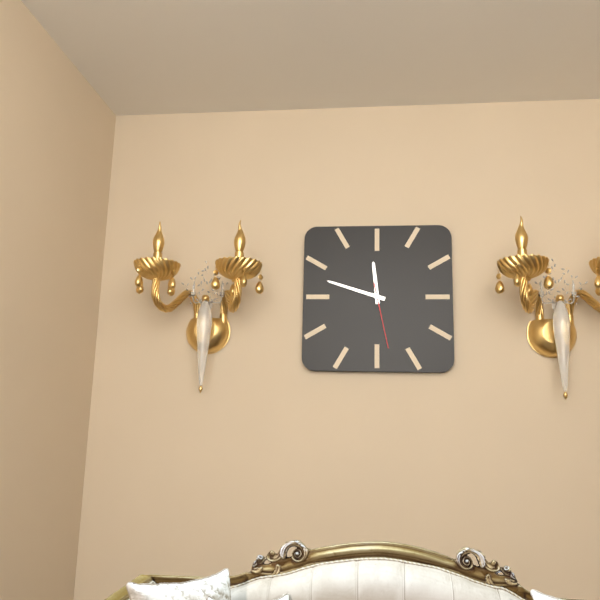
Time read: 11:48:28
